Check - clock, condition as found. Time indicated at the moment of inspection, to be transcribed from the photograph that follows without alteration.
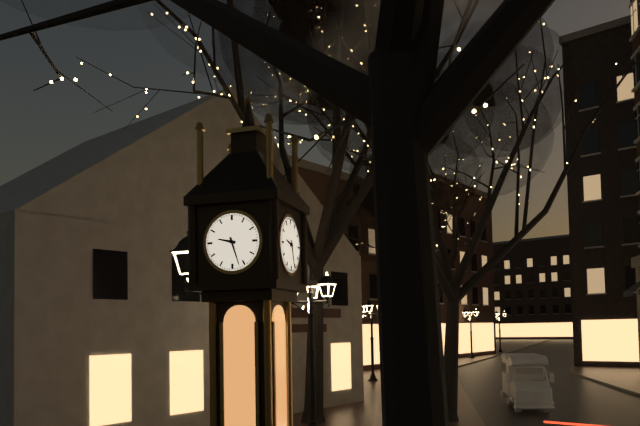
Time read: 9:27
